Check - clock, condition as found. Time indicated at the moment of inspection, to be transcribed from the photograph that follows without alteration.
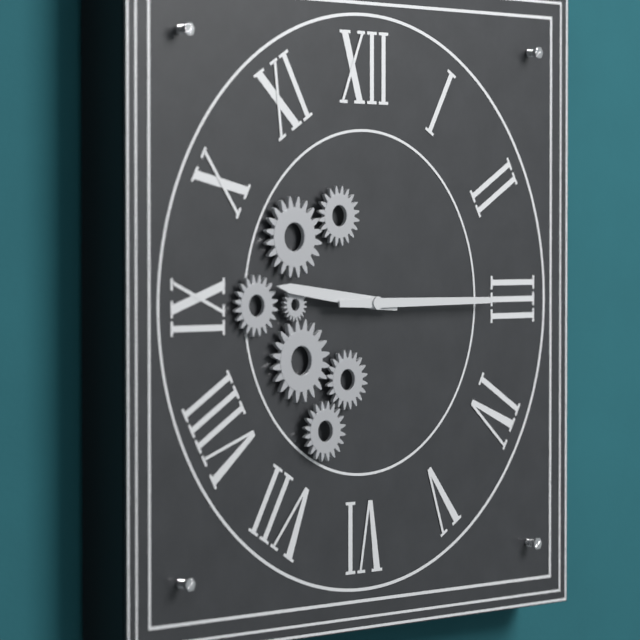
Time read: 9:15
